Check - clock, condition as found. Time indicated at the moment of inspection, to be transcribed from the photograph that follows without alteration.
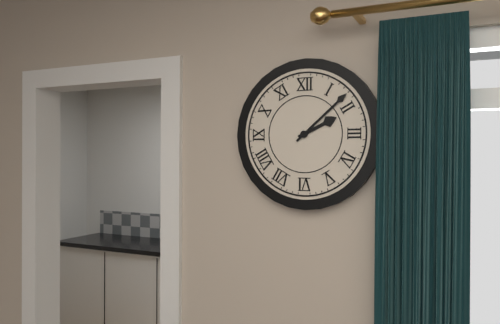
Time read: 2:08
